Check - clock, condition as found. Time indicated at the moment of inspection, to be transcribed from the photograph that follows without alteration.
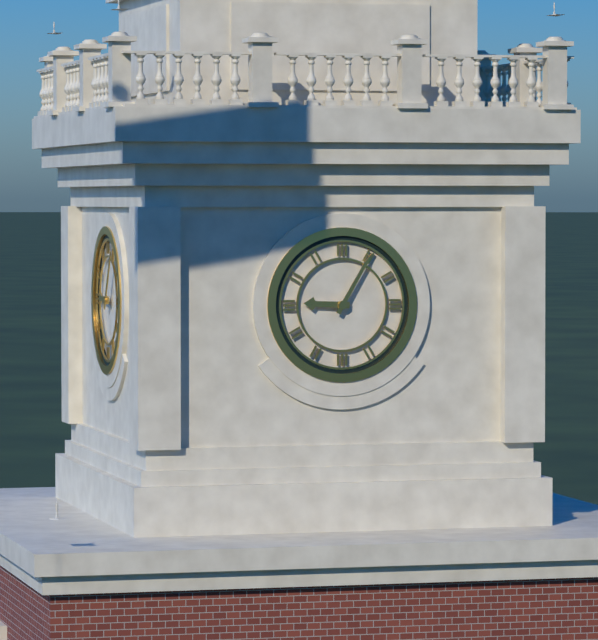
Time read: 9:05
